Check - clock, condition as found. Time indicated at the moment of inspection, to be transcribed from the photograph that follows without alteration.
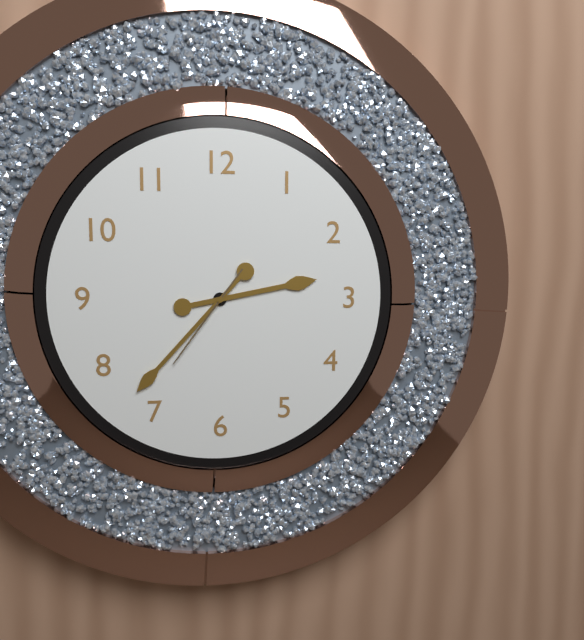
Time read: 2:37:36
